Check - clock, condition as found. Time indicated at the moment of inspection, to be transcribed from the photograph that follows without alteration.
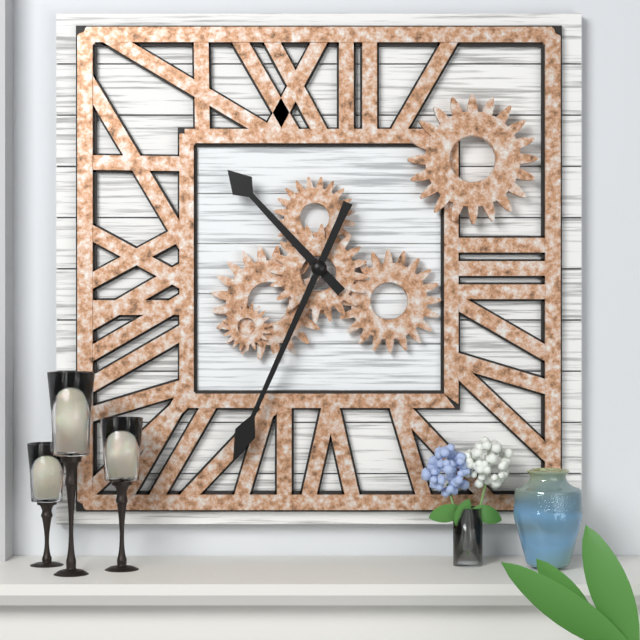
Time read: 10:34
